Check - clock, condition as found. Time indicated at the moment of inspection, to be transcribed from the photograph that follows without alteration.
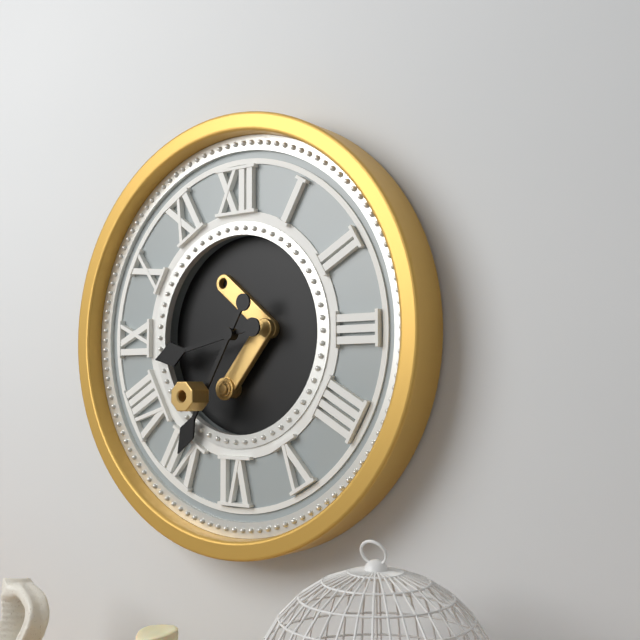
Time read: 8:35
